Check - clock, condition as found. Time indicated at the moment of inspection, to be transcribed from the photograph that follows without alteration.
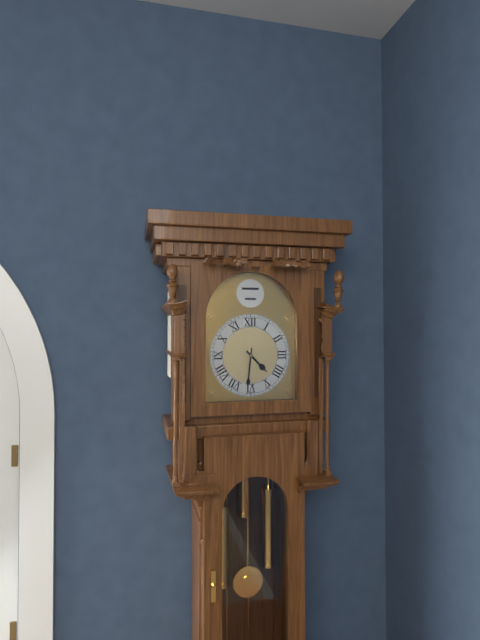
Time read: 4:31
